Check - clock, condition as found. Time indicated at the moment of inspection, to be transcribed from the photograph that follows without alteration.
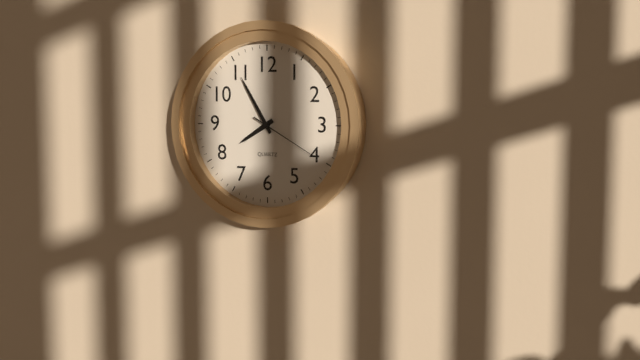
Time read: 7:55:20
